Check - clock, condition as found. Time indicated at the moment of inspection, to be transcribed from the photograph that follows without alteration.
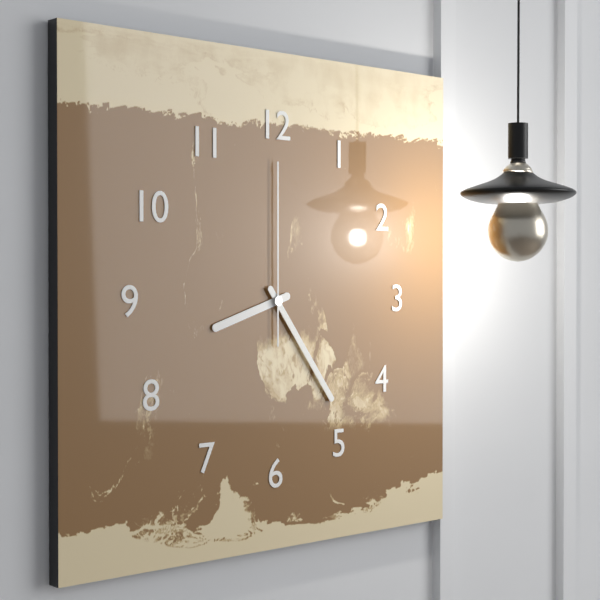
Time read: 8:24:00
